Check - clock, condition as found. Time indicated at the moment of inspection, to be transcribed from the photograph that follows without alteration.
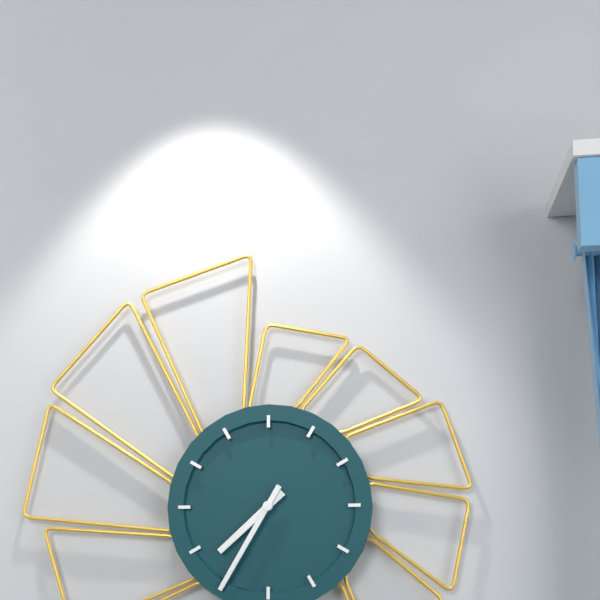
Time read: 7:35
